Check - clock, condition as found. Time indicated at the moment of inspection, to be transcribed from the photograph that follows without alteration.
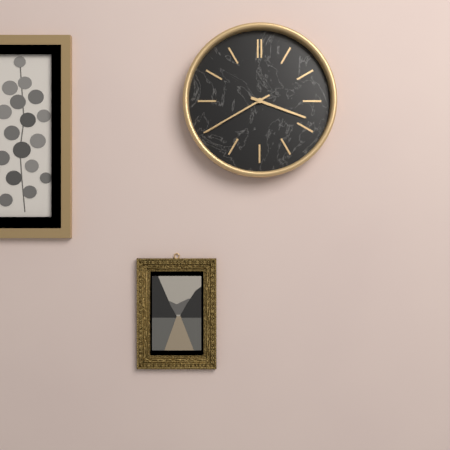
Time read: 3:40
